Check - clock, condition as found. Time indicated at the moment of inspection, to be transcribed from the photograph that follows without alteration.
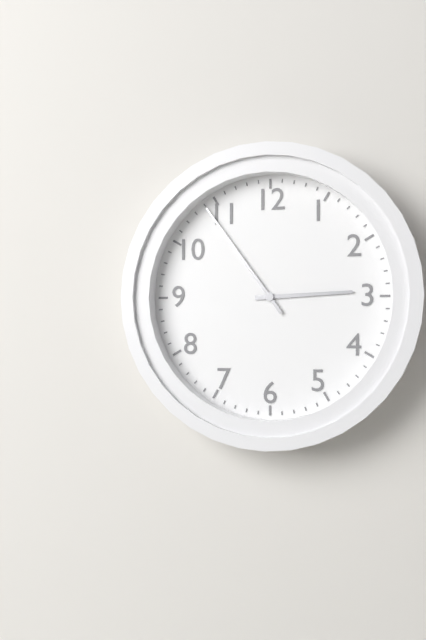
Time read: 2:54
